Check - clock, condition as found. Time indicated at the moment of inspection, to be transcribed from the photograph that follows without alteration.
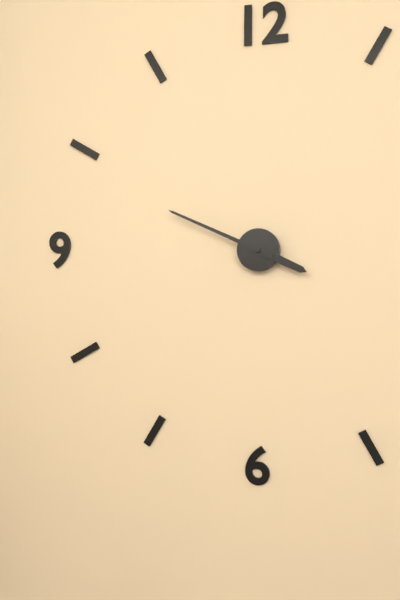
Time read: 3:49
